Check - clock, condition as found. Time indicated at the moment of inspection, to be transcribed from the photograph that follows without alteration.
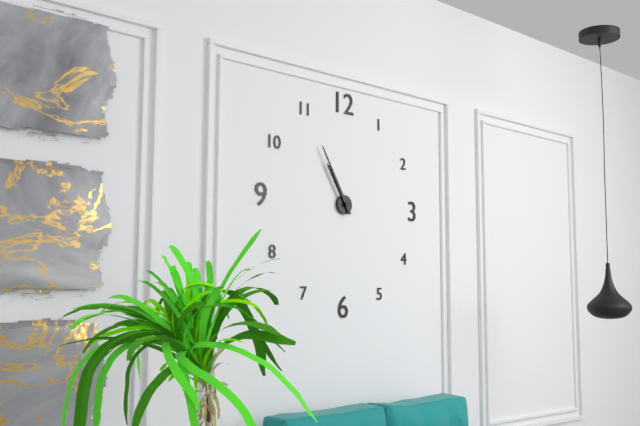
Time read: 10:55
